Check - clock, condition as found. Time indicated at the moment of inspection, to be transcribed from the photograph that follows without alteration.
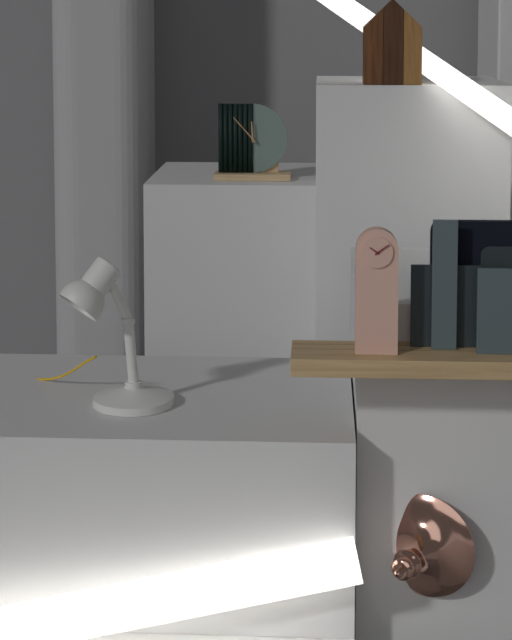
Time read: 11:53
